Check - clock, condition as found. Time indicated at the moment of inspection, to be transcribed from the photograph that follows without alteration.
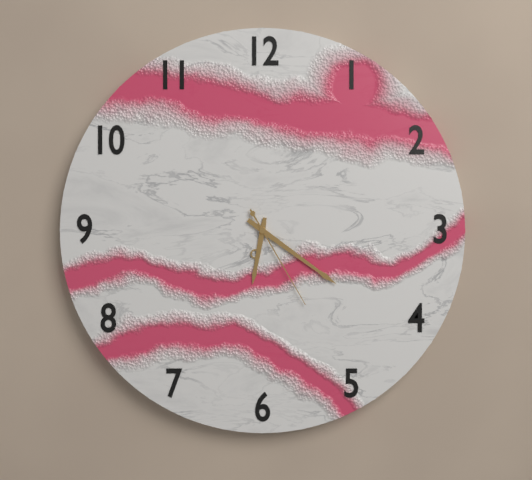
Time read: 6:21:25
